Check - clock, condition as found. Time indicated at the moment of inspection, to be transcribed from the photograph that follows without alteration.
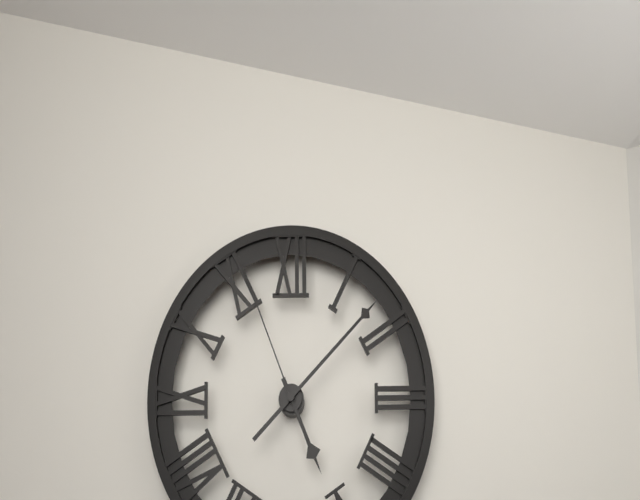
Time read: 5:08:56
